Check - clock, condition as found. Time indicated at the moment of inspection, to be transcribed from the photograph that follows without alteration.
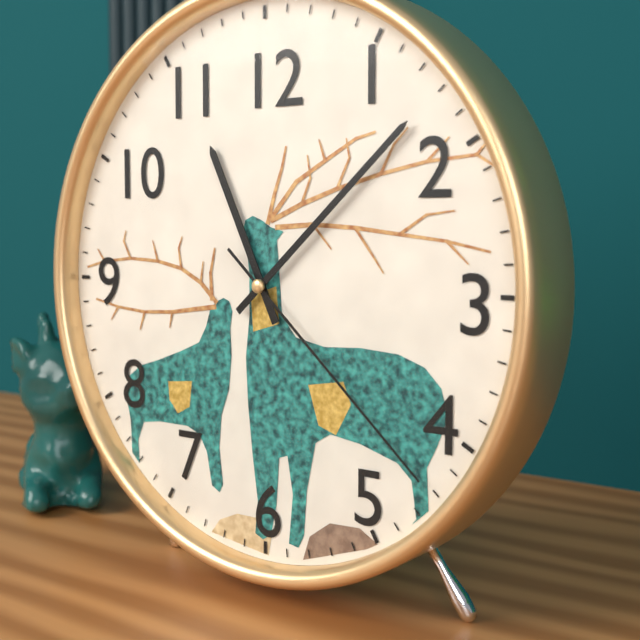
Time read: 11:08:22
